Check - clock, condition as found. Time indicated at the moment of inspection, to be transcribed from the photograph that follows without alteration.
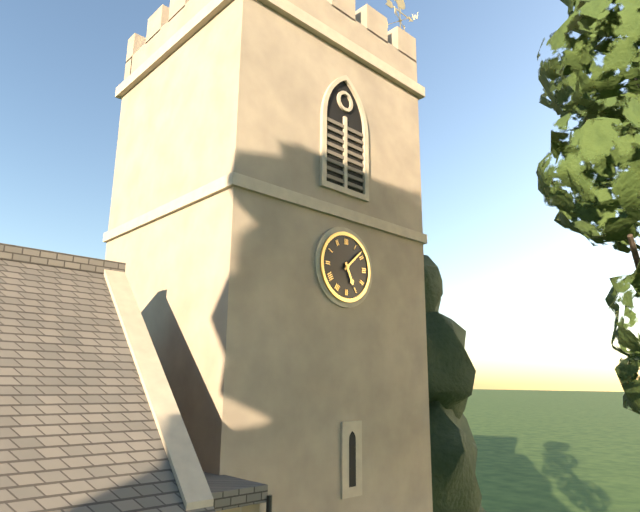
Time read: 5:08
